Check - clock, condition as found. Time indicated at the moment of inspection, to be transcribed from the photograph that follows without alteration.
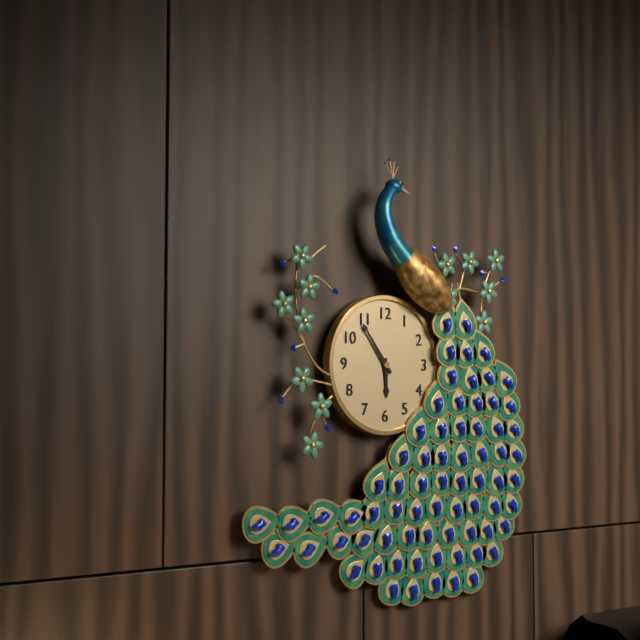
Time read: 5:54
